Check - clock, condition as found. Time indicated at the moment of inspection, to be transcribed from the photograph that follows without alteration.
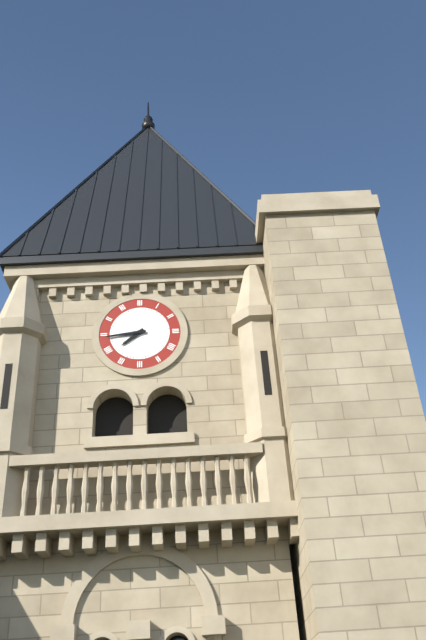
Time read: 7:44
